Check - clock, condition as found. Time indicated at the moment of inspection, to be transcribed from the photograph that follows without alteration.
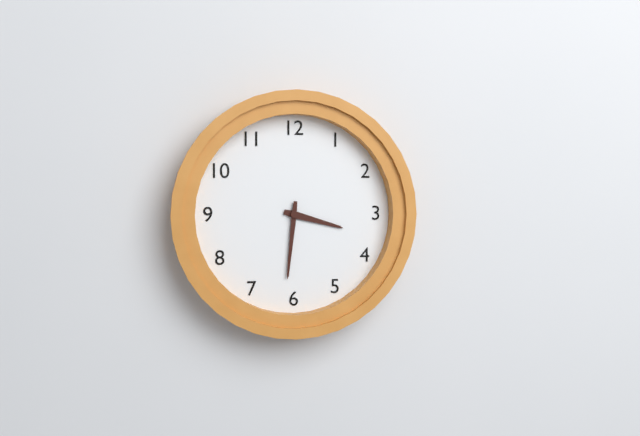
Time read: 3:31
